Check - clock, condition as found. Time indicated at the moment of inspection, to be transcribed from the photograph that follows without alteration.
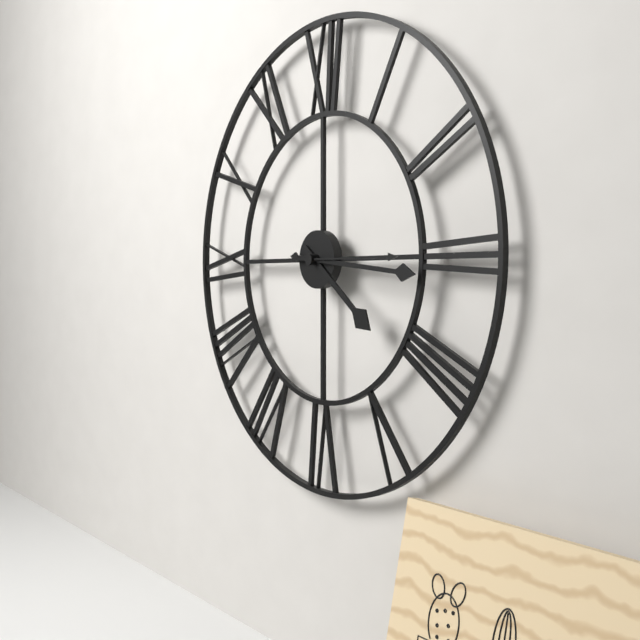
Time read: 4:16:15
